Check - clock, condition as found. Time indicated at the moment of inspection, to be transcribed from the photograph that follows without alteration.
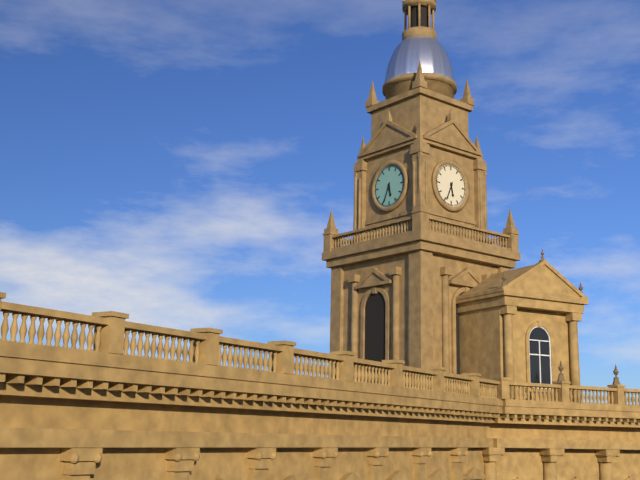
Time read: 5:34
